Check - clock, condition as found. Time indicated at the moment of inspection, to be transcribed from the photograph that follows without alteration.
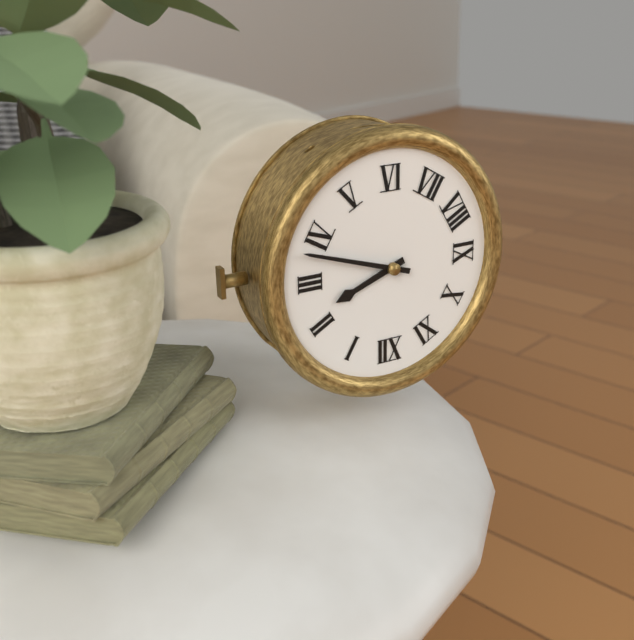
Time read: 2:18
